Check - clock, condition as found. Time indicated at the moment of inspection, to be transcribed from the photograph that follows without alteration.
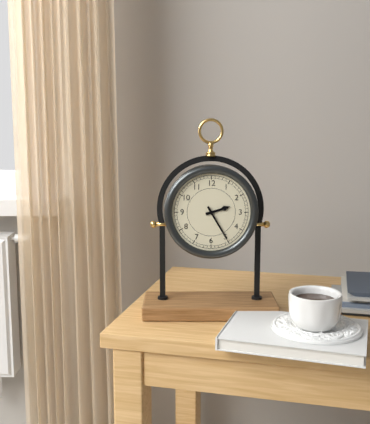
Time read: 2:25
